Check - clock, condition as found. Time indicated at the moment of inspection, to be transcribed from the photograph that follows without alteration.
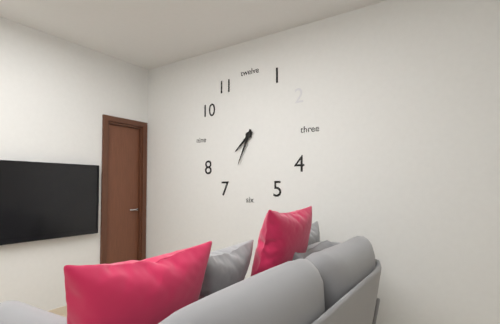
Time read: 7:34
